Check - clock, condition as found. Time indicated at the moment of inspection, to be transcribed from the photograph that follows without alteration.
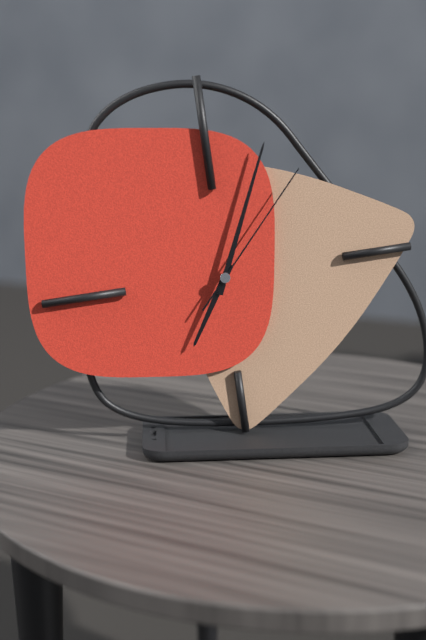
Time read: 7:04:07
